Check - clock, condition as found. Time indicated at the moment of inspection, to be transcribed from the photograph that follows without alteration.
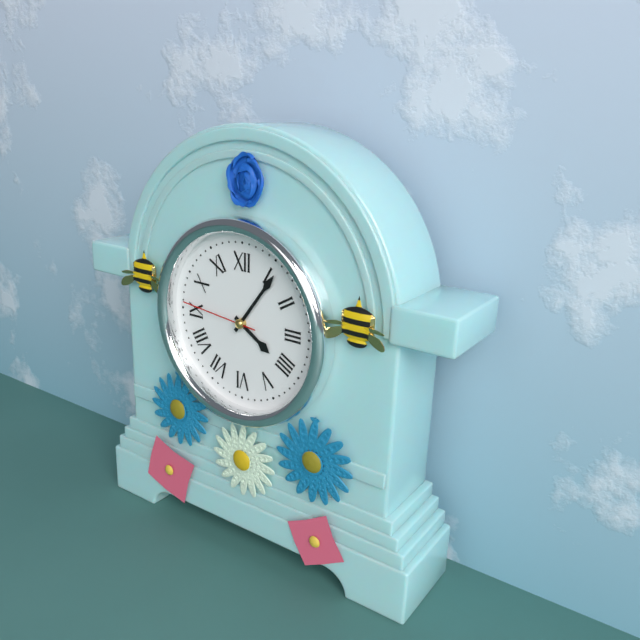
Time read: 4:06:46
